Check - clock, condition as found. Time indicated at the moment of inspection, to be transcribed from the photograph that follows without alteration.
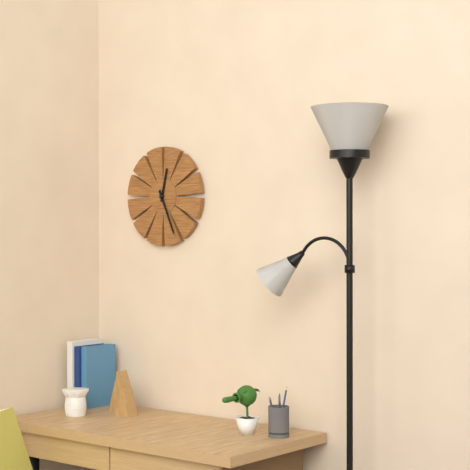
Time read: 12:26
